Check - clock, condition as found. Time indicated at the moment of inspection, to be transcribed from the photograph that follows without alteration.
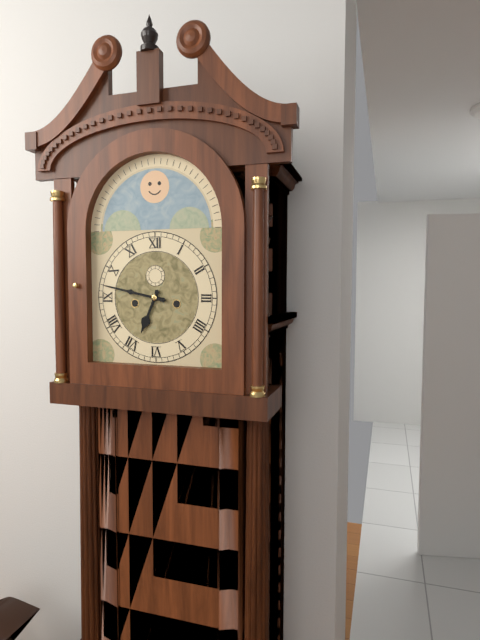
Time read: 6:47
